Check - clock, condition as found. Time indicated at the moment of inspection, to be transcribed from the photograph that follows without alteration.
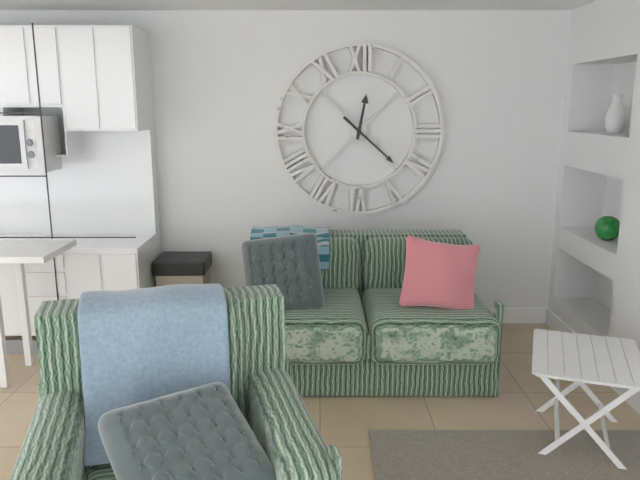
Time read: 12:22
